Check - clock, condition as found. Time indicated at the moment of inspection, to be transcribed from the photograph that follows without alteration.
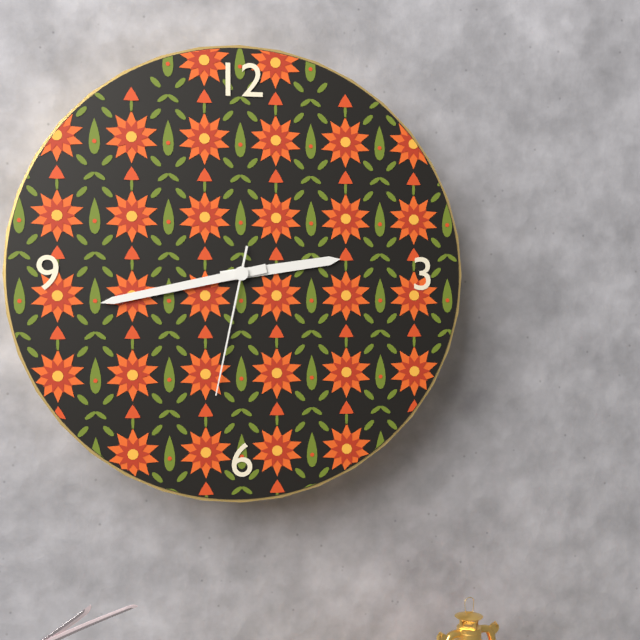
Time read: 2:43:32
